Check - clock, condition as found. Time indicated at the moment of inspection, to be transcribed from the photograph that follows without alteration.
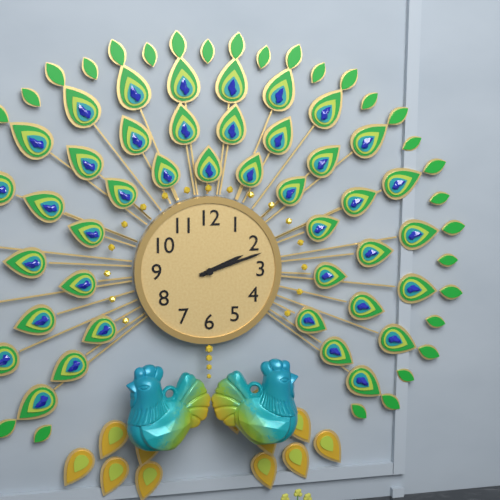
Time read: 2:12
